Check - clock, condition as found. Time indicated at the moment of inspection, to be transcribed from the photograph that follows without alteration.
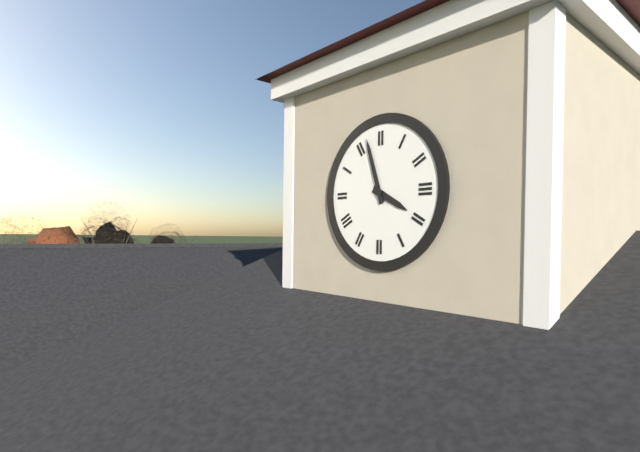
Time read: 3:57
